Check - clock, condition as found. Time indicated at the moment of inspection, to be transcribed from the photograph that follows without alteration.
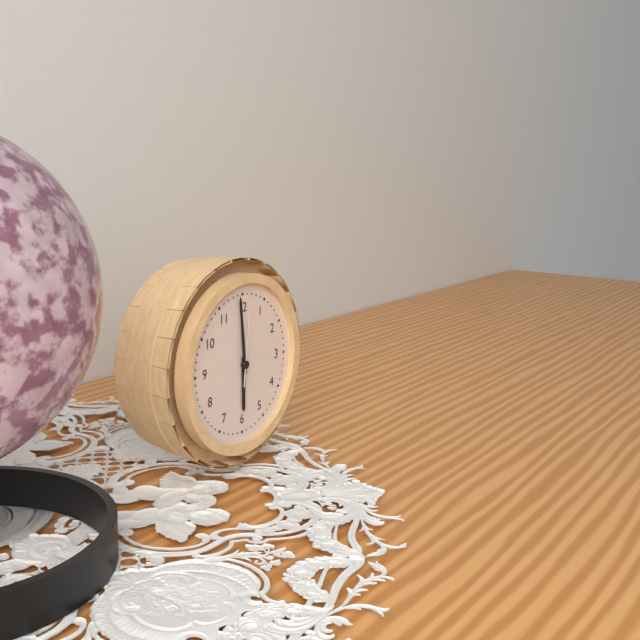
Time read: 5:59:01
